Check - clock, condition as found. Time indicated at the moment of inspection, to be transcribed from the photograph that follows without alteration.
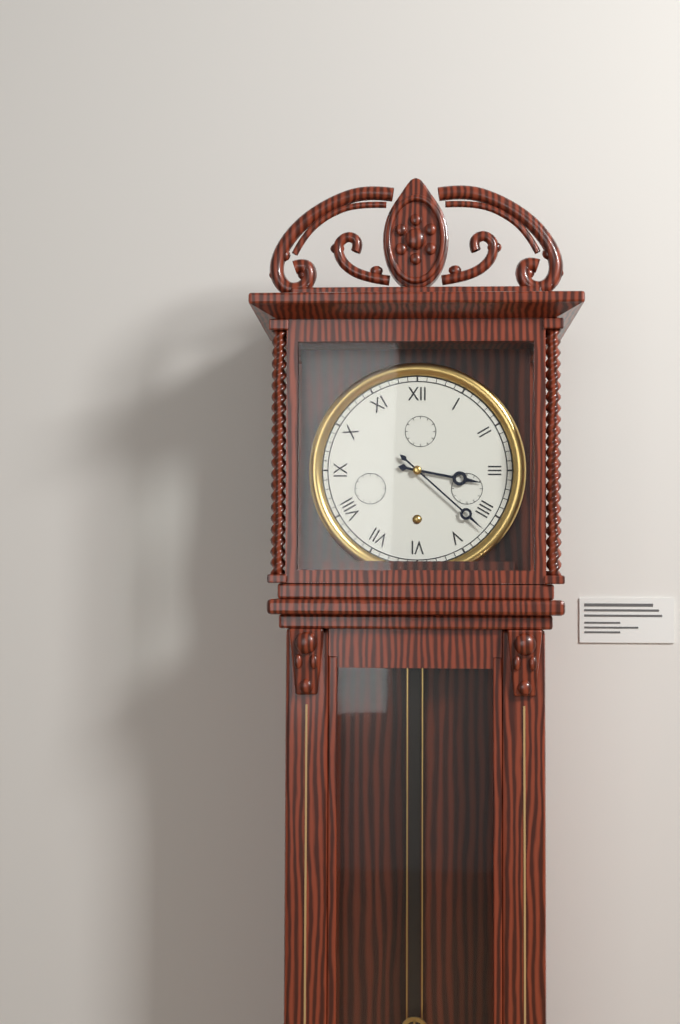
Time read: 3:22
